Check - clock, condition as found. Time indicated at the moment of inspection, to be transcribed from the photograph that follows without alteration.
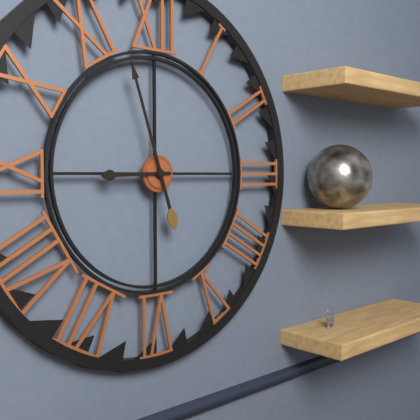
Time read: 8:57
